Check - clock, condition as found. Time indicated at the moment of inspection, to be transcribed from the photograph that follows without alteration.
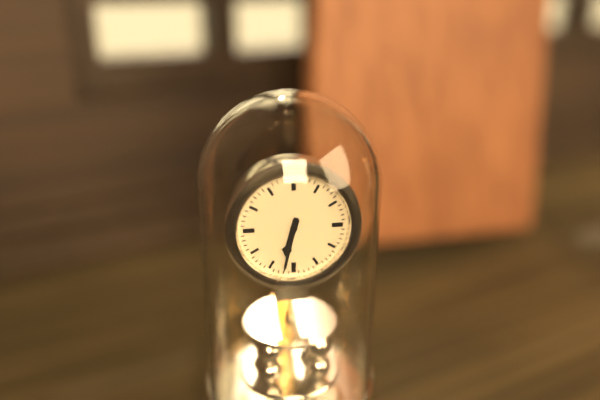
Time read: 6:32
